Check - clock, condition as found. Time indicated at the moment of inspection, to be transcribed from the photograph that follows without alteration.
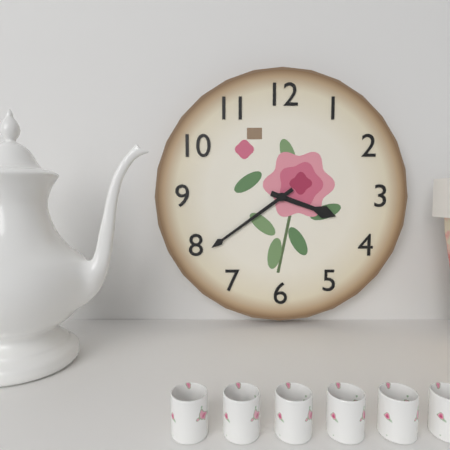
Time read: 3:39
